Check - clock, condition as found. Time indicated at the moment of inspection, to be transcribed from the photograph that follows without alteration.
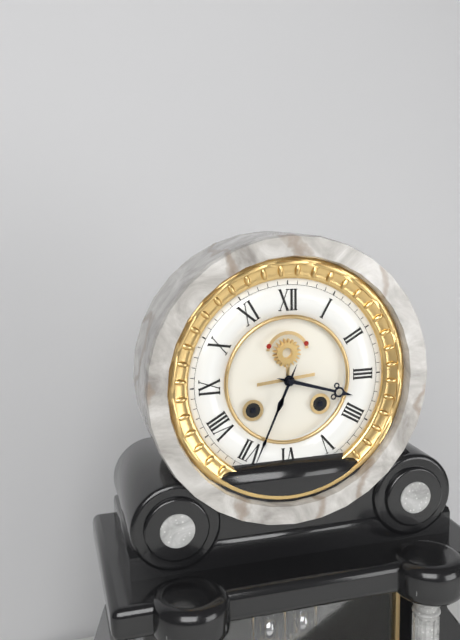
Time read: 3:34
